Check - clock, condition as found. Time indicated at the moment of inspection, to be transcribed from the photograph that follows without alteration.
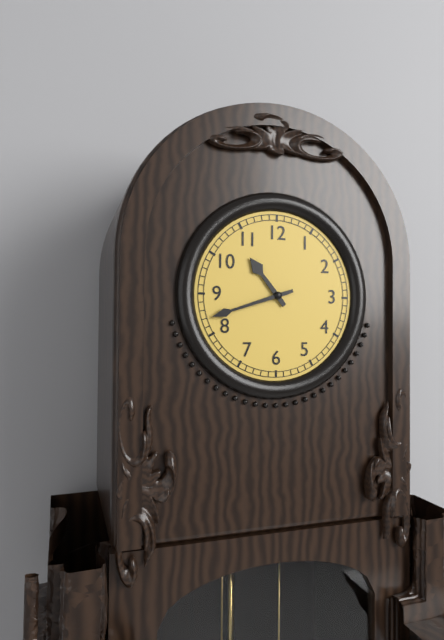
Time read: 10:42
